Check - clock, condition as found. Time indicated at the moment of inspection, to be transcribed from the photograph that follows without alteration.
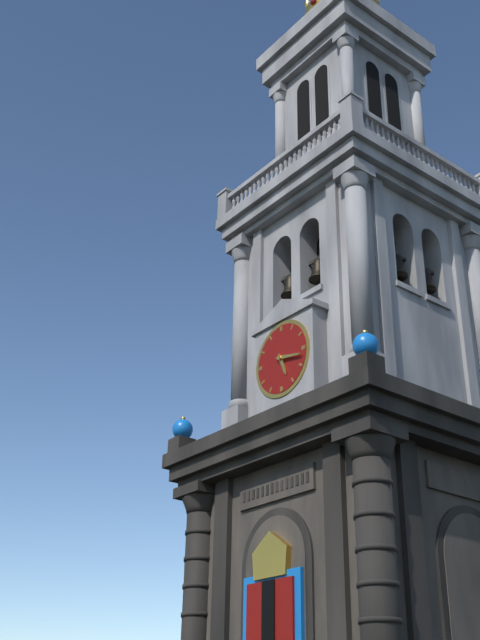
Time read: 5:17
